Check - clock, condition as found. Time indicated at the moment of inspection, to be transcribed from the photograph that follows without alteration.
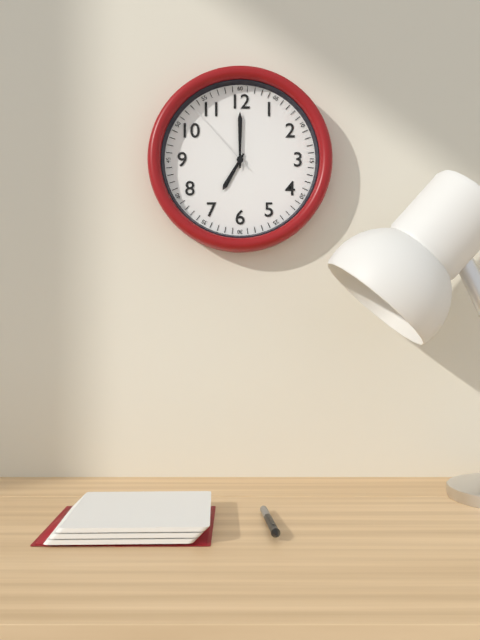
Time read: 7:00:53
